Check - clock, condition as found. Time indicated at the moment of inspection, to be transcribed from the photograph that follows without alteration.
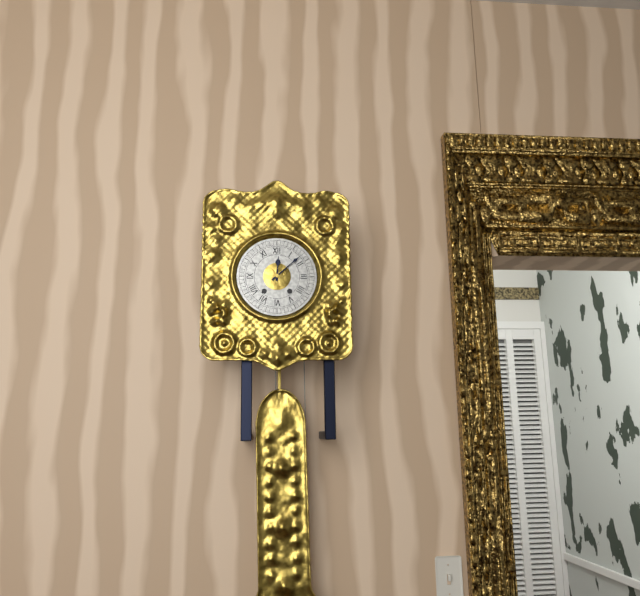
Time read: 12:08
